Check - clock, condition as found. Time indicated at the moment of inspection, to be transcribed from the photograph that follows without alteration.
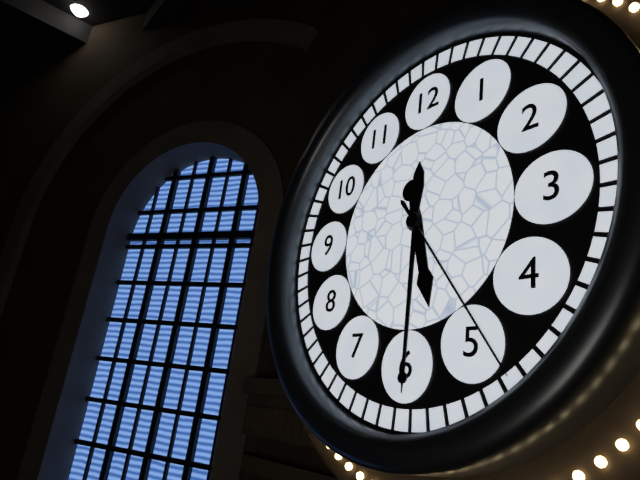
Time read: 5:30:24
